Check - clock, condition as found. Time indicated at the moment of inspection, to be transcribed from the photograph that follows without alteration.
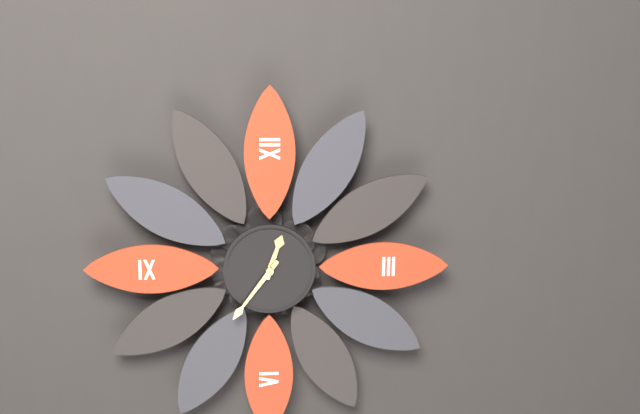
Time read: 12:36
